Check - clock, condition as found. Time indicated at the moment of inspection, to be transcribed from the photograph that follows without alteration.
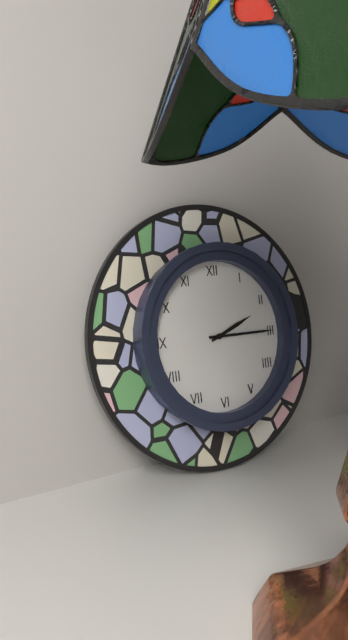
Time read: 2:15
